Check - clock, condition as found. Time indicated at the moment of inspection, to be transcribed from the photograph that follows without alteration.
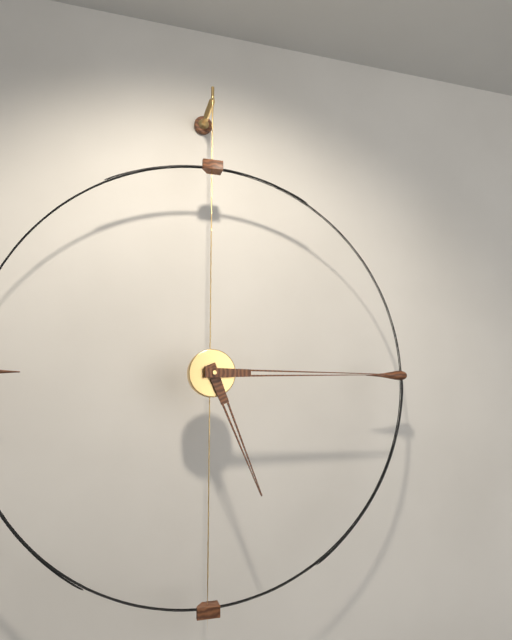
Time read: 5:15
